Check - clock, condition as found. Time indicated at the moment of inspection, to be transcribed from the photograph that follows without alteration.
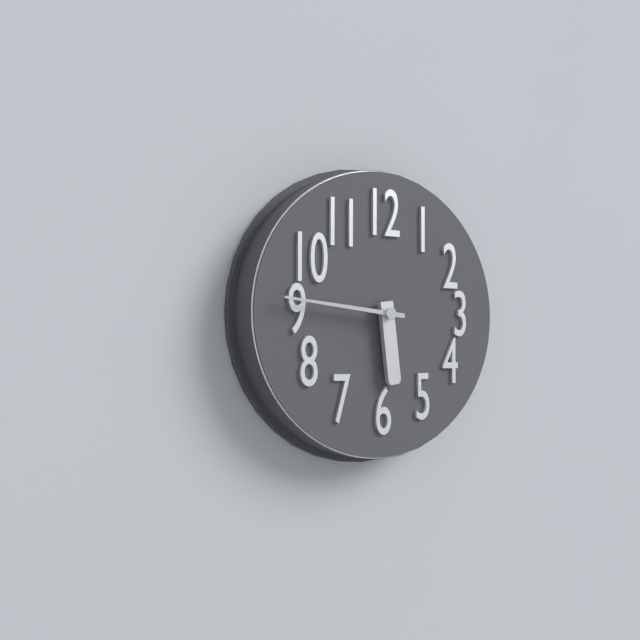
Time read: 5:46
